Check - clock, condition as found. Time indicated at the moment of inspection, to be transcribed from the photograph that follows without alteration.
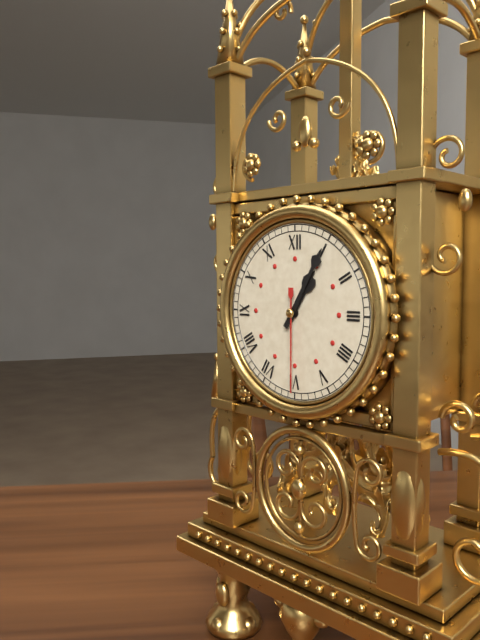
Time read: 1:05:30
